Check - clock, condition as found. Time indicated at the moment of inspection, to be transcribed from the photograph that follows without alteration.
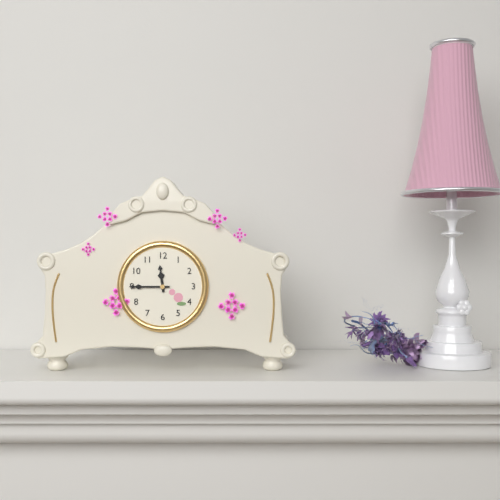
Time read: 11:45
